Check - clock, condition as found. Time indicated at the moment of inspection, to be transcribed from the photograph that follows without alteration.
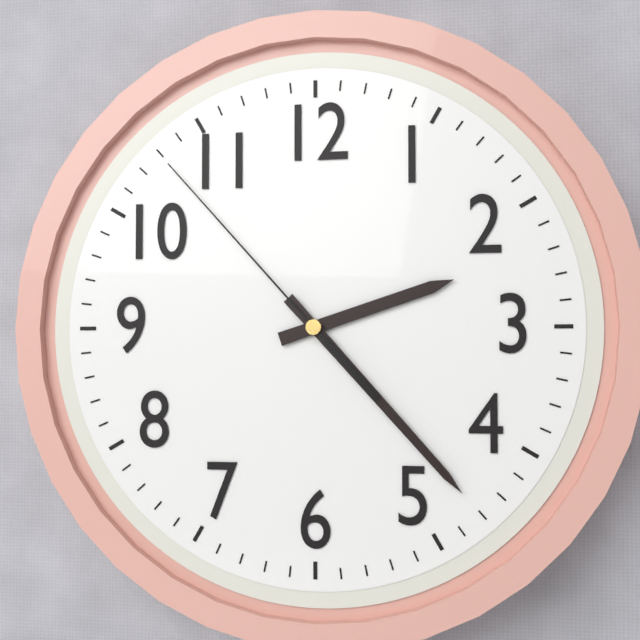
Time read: 2:23:53
